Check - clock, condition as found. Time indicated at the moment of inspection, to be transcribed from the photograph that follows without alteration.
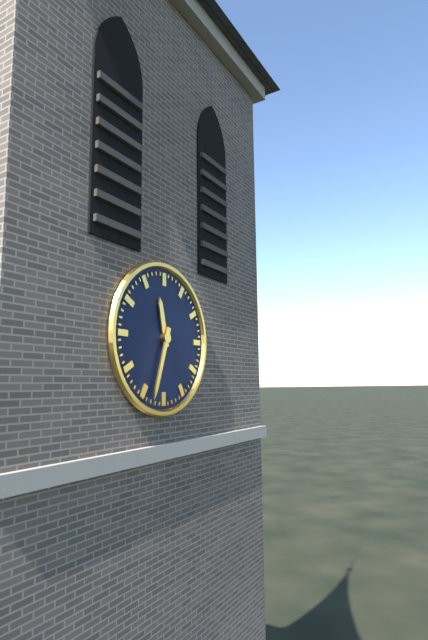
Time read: 11:33
